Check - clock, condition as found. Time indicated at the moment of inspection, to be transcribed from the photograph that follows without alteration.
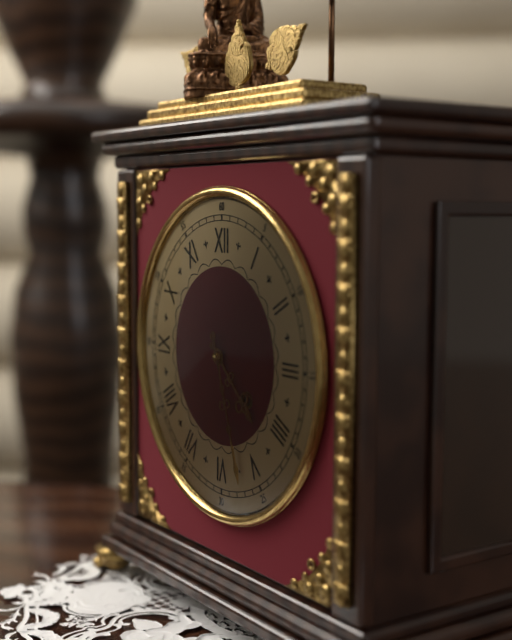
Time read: 4:27
